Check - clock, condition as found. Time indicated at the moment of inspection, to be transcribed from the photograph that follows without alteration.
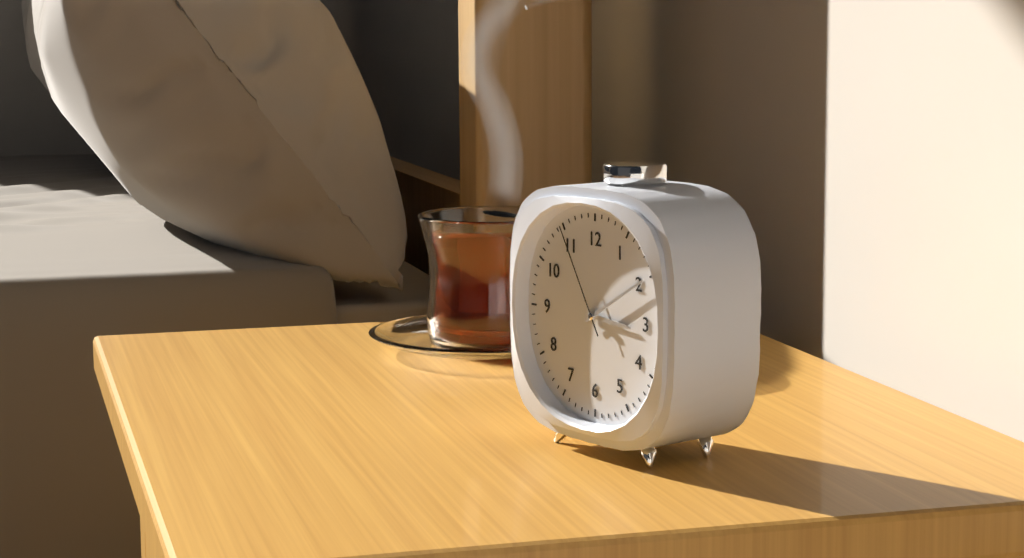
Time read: 3:10:55
